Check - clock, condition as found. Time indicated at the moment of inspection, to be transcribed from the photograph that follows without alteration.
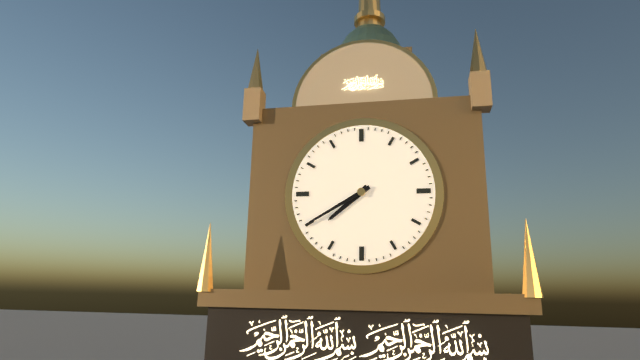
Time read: 7:40
